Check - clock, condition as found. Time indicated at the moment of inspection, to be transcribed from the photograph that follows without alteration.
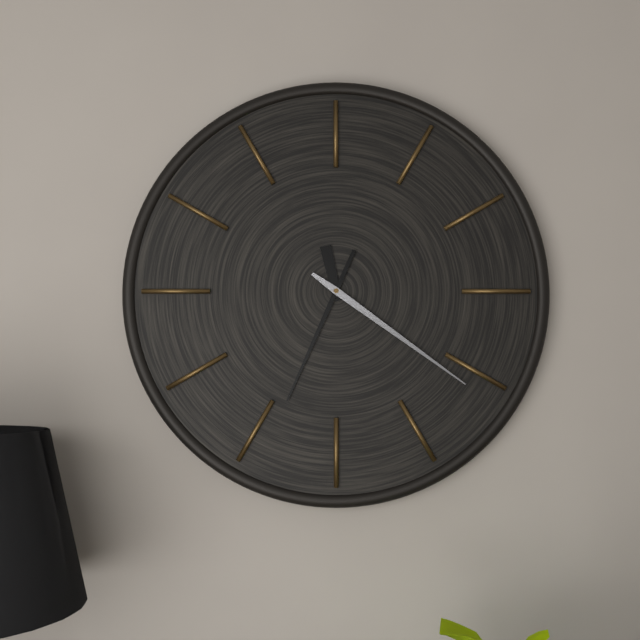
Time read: 11:34:21
